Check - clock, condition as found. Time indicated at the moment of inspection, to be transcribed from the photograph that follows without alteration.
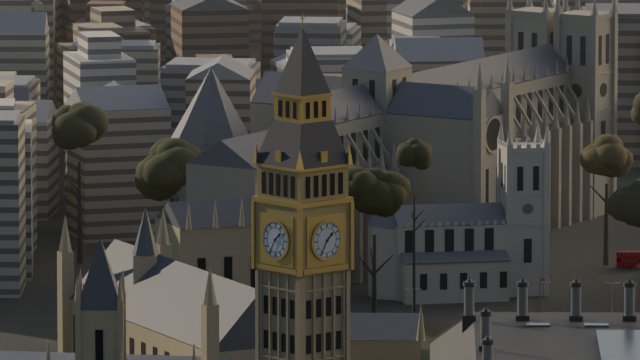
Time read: 1:35
